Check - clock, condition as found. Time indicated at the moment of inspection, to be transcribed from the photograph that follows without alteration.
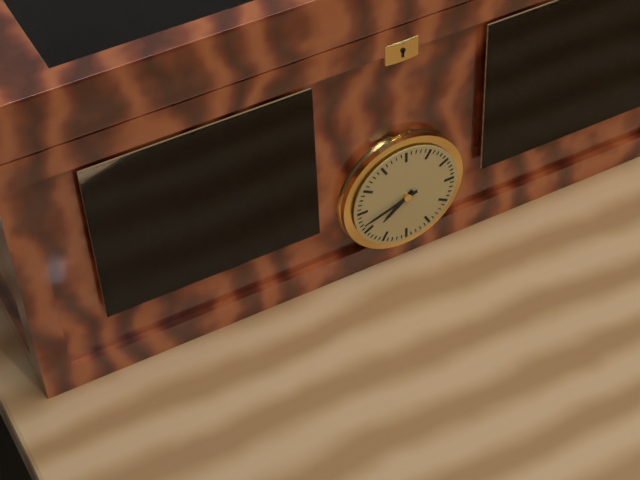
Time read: 7:42
